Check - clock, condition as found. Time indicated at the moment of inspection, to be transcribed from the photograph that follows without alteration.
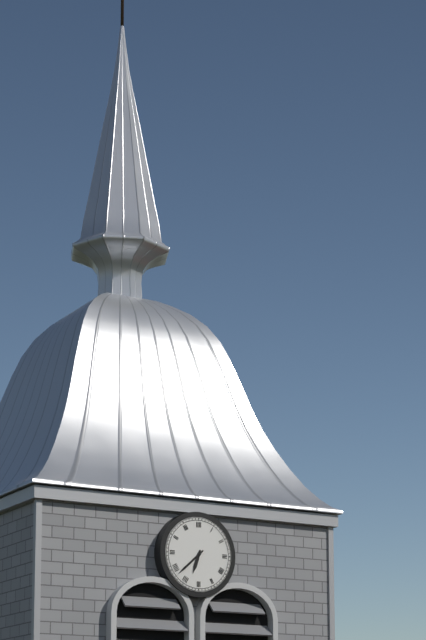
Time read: 6:38
